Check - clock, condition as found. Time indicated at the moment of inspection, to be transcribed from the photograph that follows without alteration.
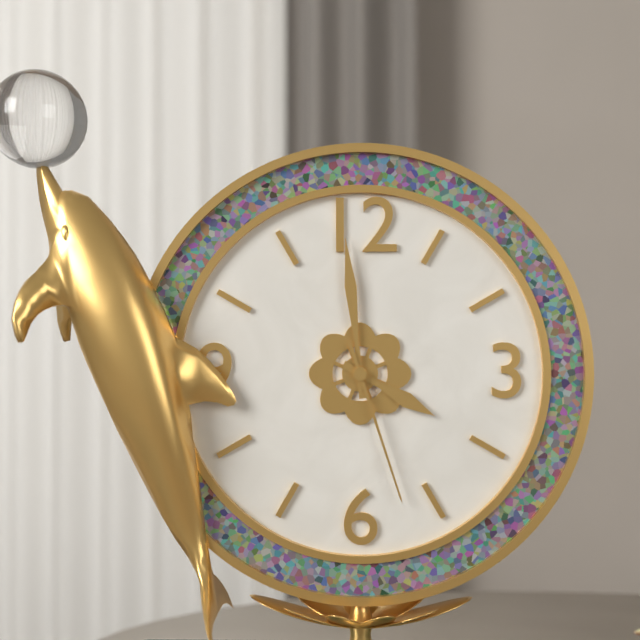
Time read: 3:59:27
